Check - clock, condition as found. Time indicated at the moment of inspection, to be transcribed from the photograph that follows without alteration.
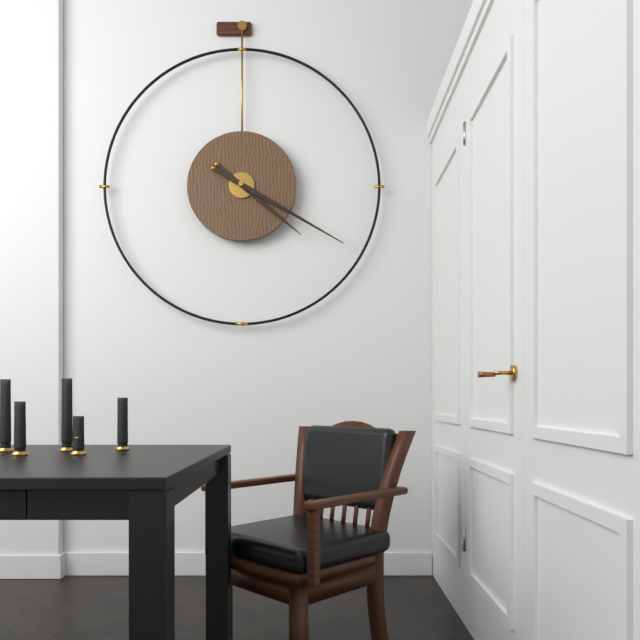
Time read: 4:20
